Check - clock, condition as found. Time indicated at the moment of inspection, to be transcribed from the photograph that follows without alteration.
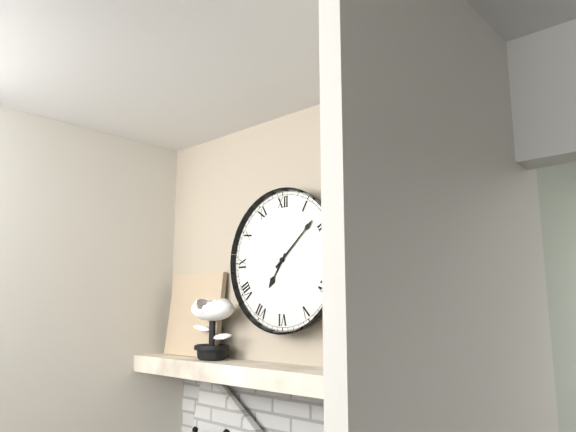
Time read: 7:08
